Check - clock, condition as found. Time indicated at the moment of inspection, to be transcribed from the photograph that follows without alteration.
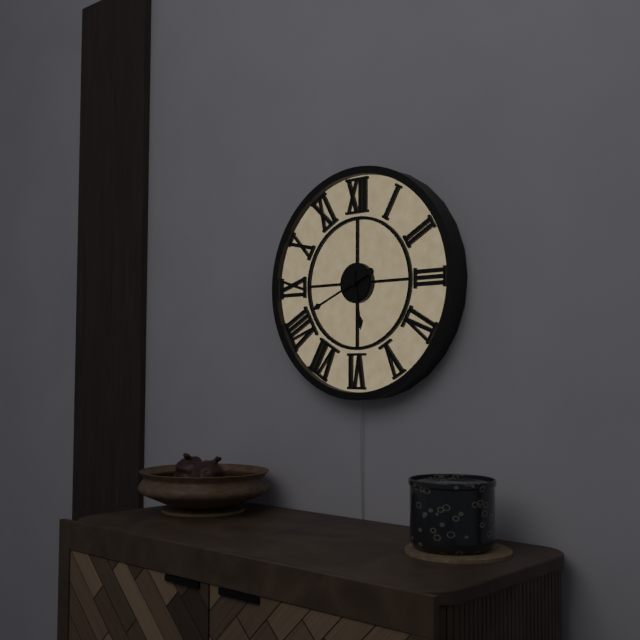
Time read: 5:41
